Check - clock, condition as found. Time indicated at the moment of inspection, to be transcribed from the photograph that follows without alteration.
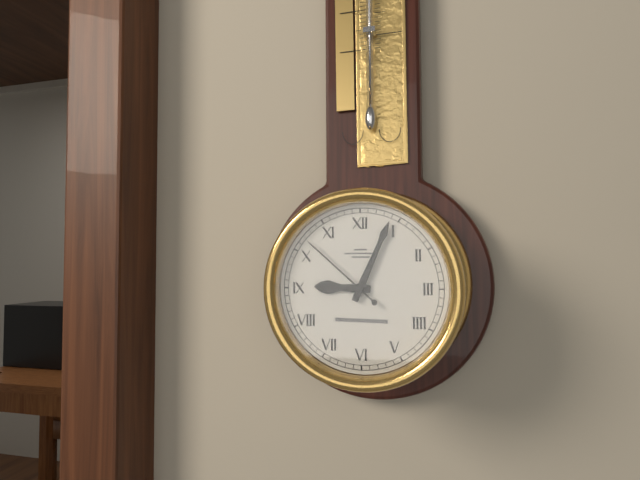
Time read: 9:04:52
